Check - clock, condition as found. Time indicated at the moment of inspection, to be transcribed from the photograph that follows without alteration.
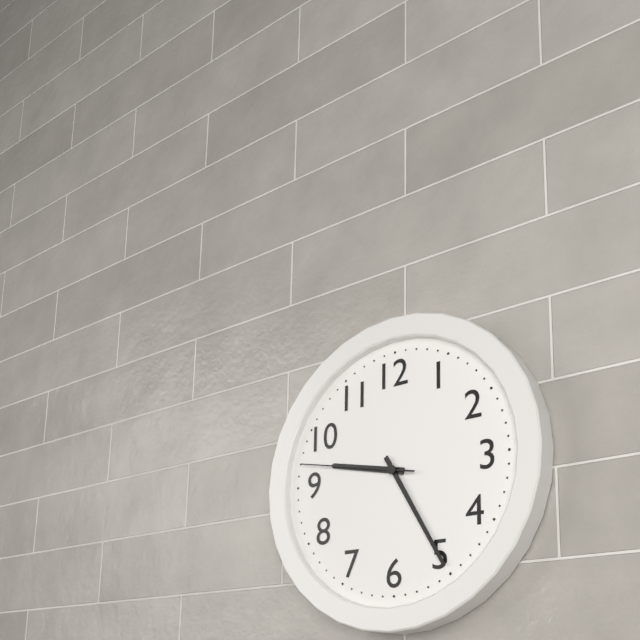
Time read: 9:25:47
